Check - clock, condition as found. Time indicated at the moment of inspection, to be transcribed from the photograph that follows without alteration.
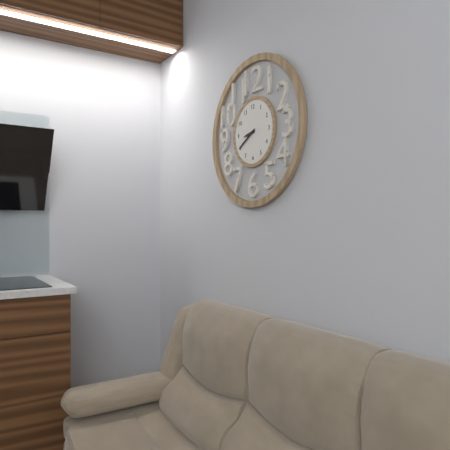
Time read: 8:40
